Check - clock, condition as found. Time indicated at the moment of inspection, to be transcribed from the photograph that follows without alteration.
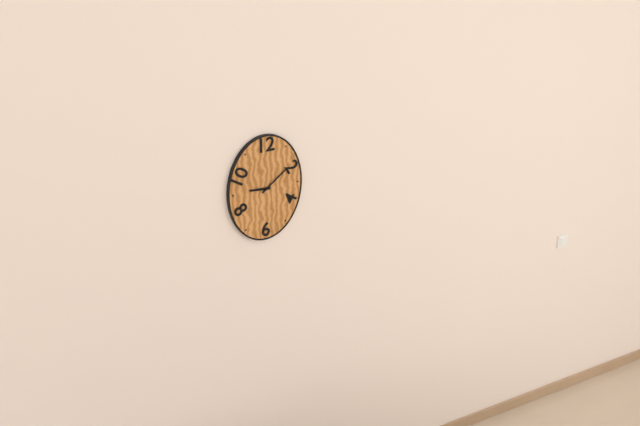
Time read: 9:09
